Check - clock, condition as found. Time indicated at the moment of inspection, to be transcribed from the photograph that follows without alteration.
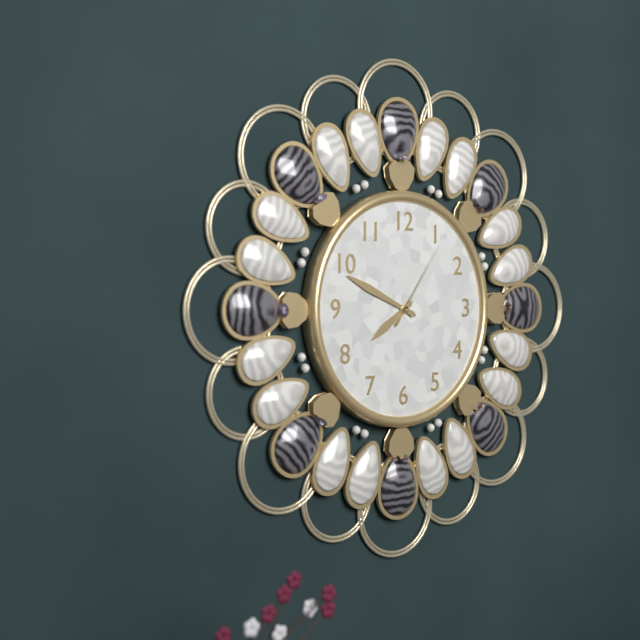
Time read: 7:49:06
